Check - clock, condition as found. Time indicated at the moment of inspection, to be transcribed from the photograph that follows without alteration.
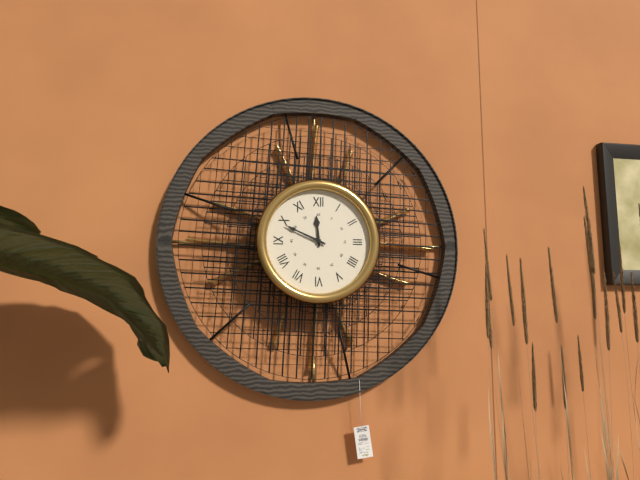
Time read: 11:49
